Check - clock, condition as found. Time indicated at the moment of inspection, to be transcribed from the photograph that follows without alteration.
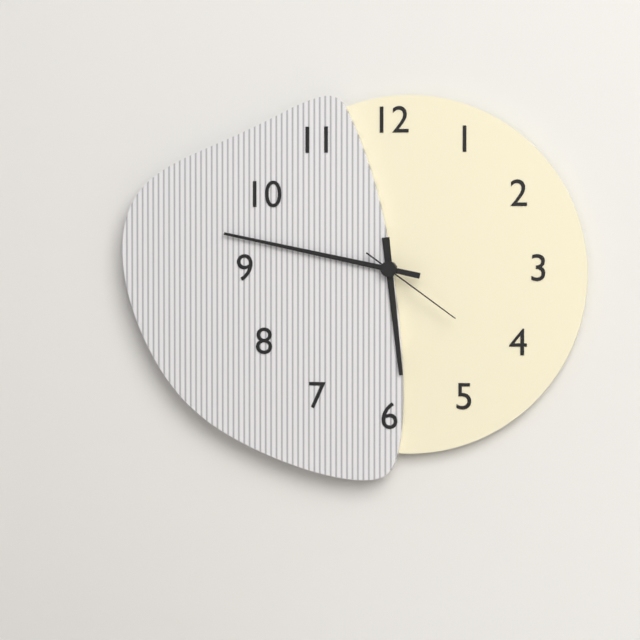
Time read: 5:47:21
